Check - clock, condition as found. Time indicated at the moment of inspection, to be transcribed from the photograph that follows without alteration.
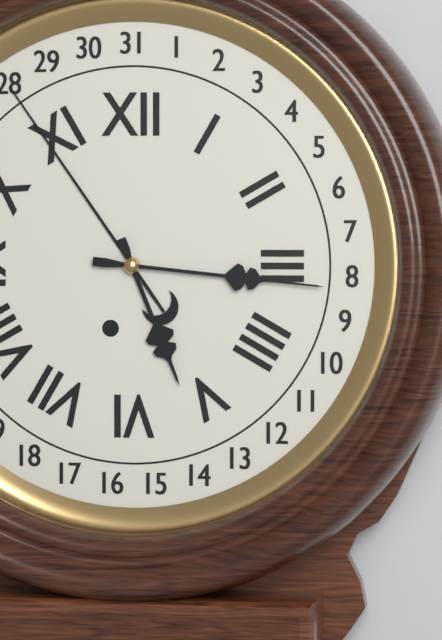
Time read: 5:16
